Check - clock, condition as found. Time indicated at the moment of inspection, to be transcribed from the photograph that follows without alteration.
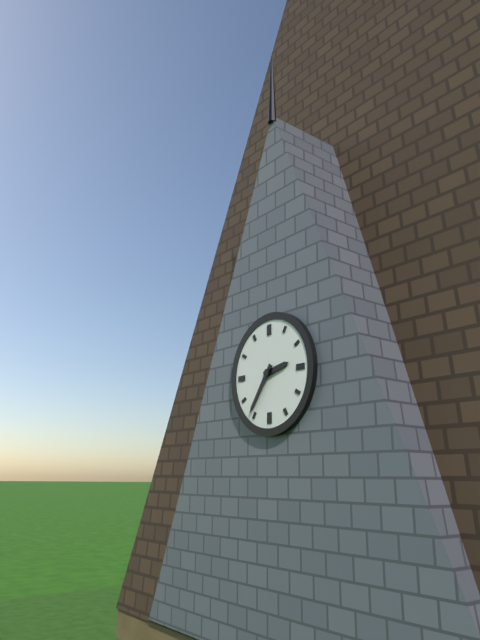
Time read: 2:36
